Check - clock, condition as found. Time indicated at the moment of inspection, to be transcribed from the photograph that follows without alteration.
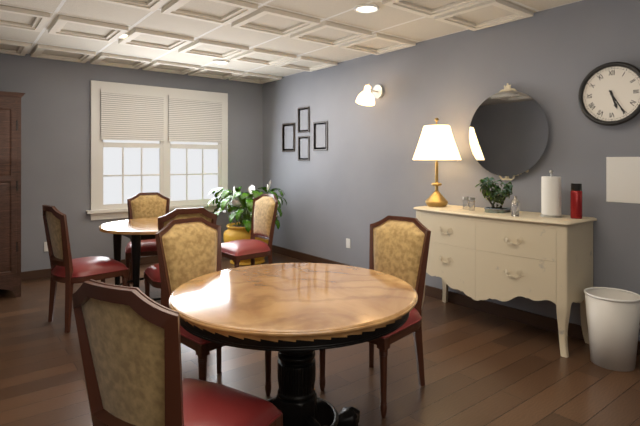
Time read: 5:25
